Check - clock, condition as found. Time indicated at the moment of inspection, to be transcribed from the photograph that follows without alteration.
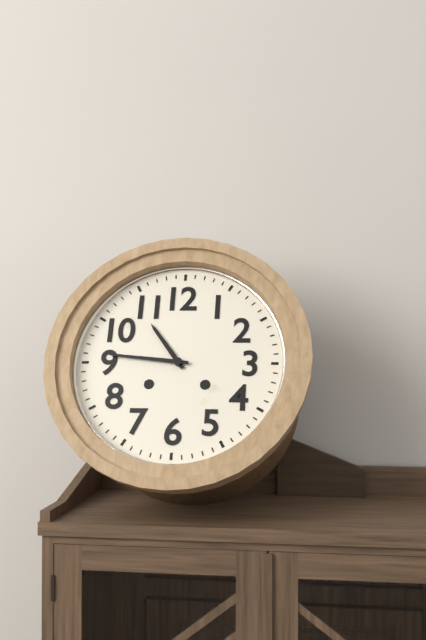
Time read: 10:46
